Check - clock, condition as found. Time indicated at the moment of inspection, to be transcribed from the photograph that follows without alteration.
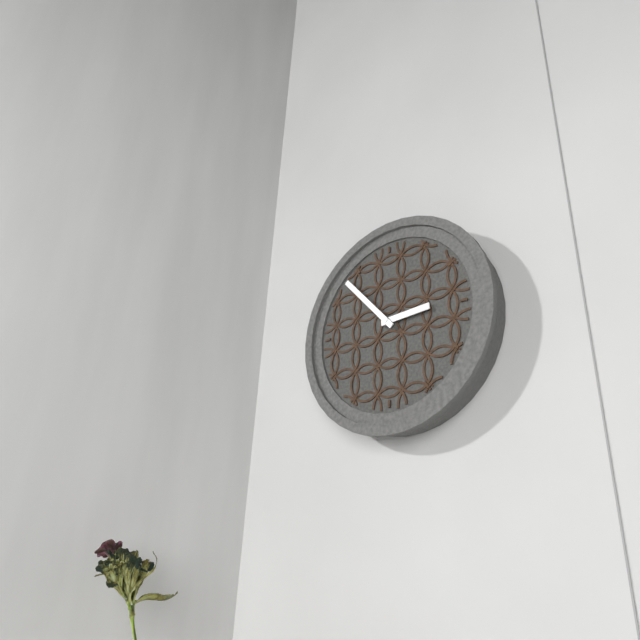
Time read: 2:53
